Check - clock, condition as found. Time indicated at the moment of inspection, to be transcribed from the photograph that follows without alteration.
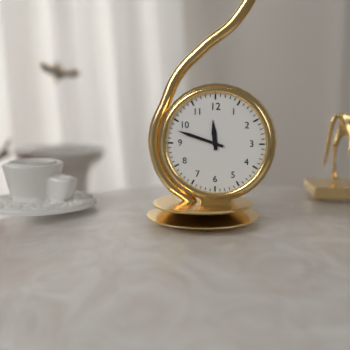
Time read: 11:48
